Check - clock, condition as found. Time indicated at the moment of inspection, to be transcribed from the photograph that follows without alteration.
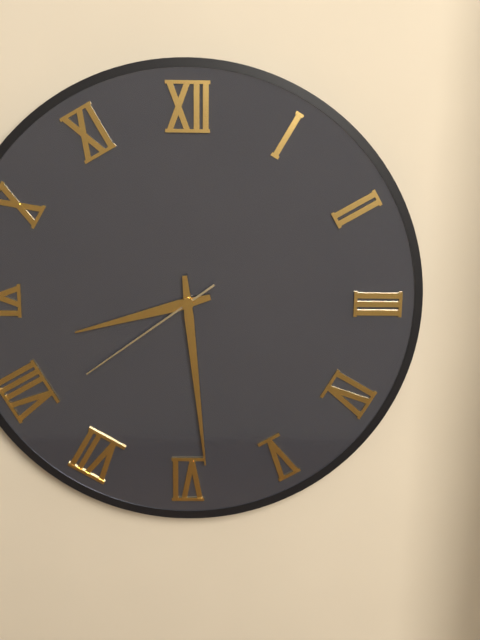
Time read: 8:29:39
